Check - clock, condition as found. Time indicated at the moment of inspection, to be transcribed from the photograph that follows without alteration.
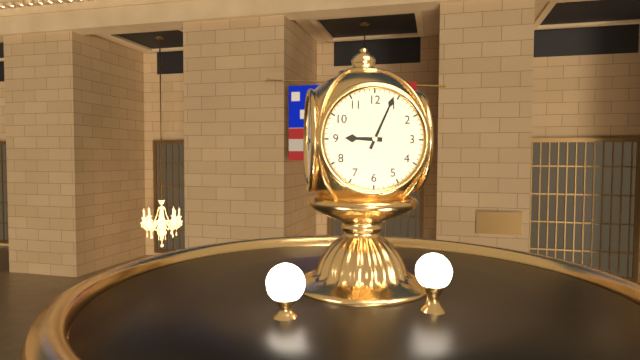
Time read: 9:04
